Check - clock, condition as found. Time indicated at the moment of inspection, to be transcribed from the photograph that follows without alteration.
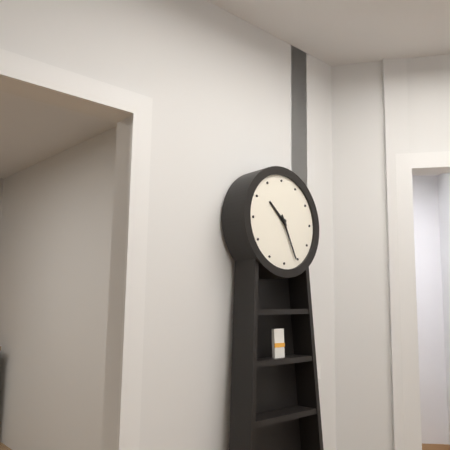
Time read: 10:26
